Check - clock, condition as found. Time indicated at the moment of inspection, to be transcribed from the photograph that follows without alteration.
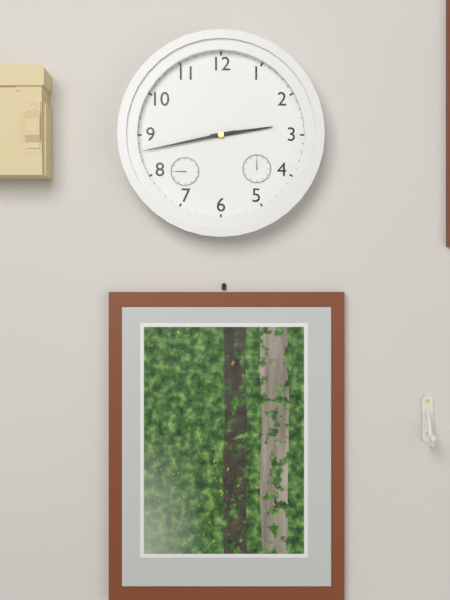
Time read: 2:43
